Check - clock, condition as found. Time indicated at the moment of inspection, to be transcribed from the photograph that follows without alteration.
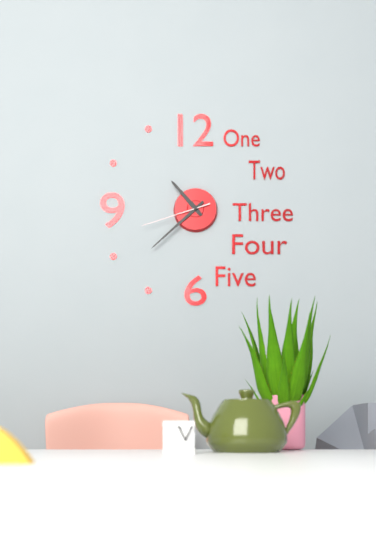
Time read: 10:38:42
